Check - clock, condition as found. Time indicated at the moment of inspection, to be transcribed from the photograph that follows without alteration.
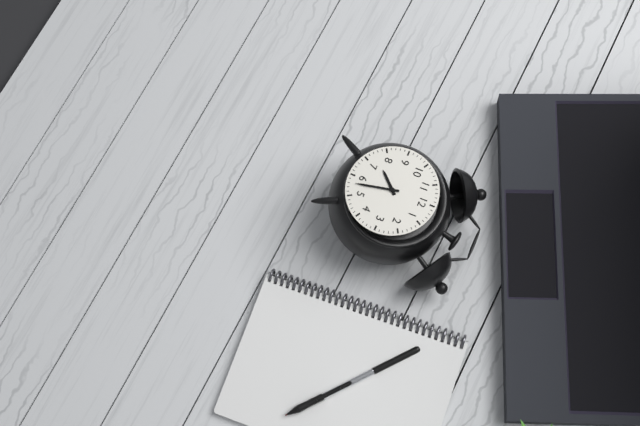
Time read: 7:28
